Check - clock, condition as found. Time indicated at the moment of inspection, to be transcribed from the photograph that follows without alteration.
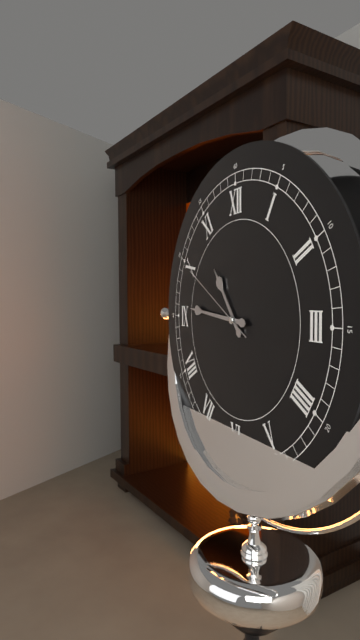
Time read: 10:46:50
